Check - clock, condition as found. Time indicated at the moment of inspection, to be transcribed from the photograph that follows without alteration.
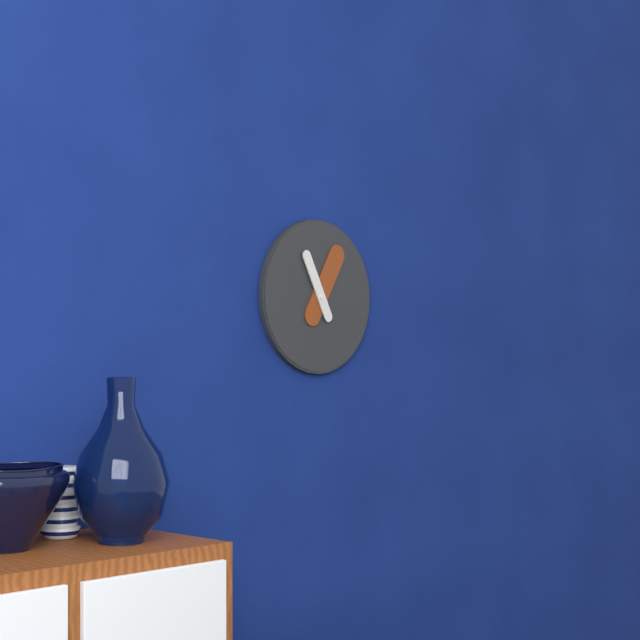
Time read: 11:05
